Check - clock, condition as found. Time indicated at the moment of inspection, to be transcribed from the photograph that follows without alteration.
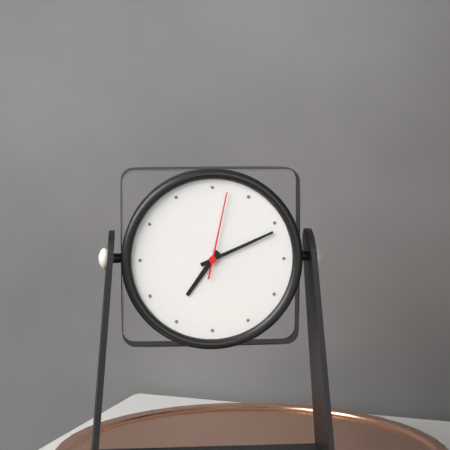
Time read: 7:11:02
